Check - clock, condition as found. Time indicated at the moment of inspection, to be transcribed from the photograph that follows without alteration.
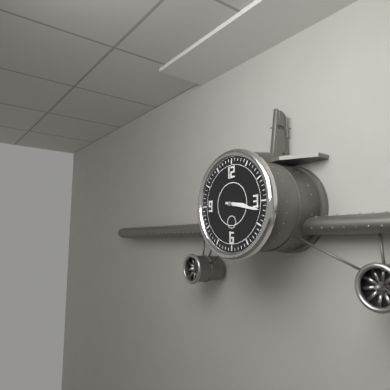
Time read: 3:17
